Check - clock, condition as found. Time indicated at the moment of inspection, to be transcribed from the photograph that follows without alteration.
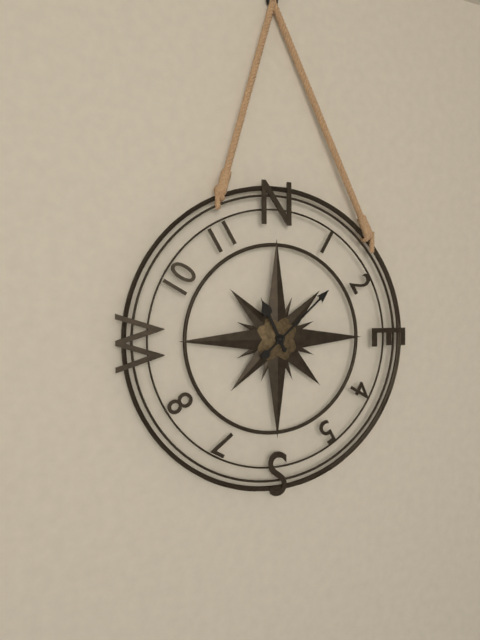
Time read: 11:08
